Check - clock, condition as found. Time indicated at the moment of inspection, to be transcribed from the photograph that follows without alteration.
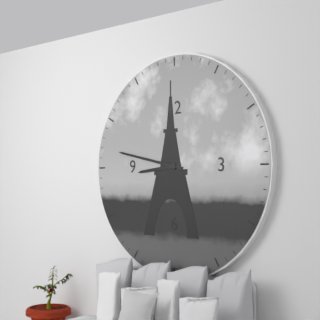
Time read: 8:47
